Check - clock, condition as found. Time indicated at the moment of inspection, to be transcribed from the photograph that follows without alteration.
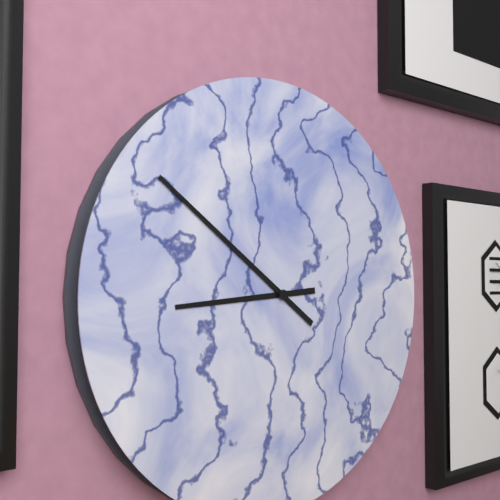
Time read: 8:51
